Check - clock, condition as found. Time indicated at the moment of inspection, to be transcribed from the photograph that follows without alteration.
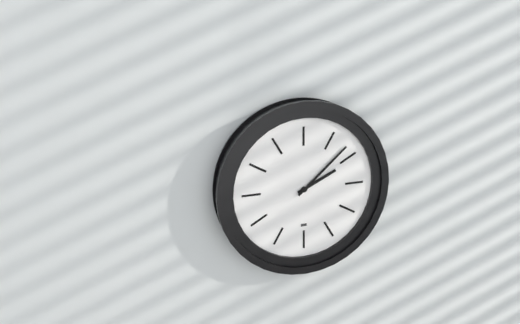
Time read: 2:08
